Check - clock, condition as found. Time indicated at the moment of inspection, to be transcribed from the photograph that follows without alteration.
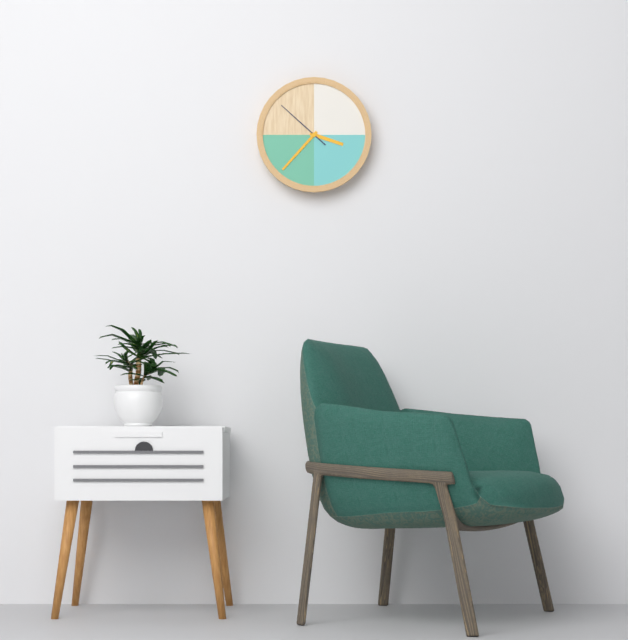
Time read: 3:37:52
